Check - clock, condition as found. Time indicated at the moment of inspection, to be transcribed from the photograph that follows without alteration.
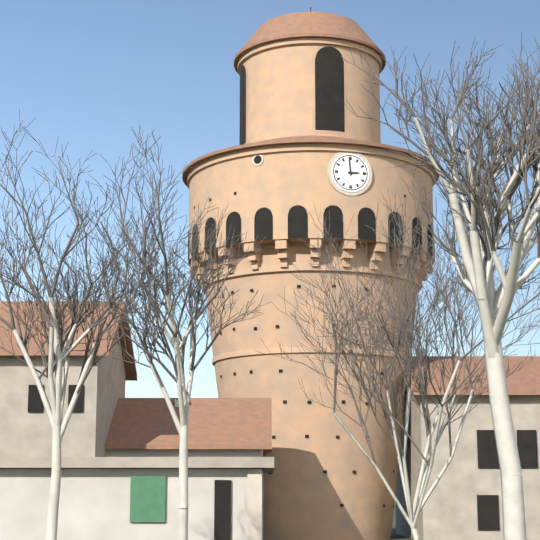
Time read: 2:59
